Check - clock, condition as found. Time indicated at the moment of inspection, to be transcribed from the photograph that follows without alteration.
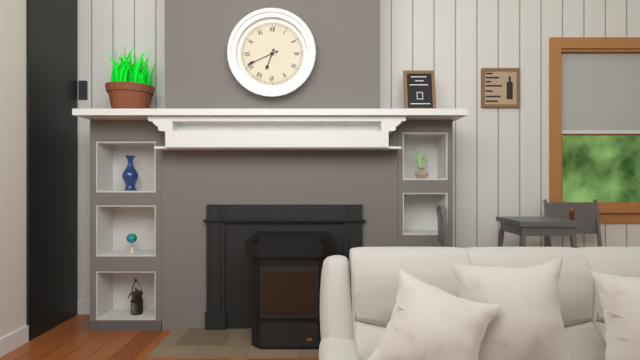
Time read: 6:41
